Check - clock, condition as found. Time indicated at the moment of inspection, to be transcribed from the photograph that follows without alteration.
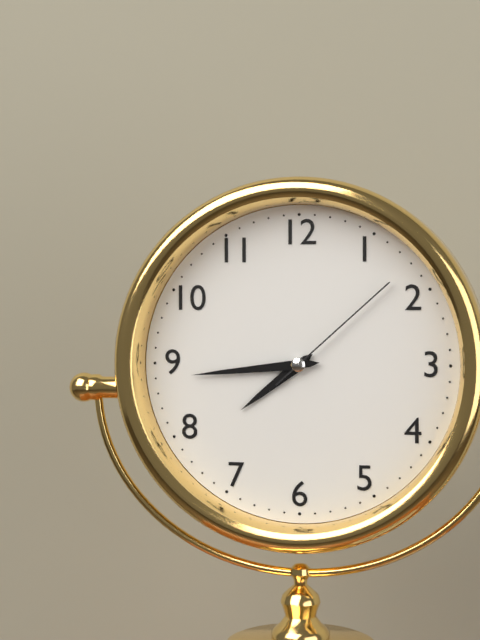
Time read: 7:44:08
